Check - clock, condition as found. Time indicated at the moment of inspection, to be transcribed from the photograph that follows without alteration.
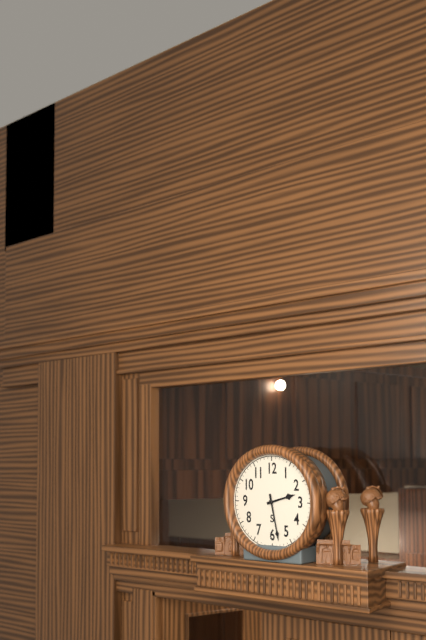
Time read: 2:28
